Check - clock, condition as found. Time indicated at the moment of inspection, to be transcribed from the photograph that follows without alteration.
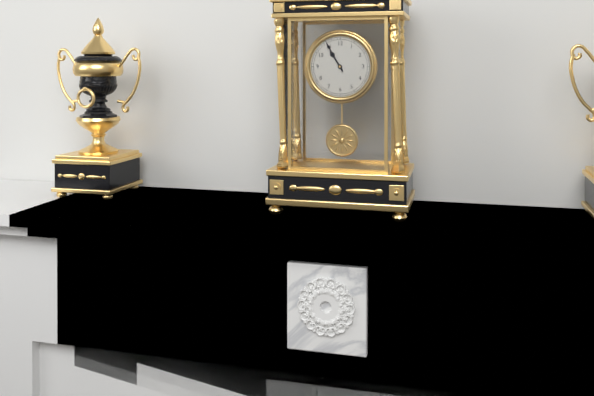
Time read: 10:55
